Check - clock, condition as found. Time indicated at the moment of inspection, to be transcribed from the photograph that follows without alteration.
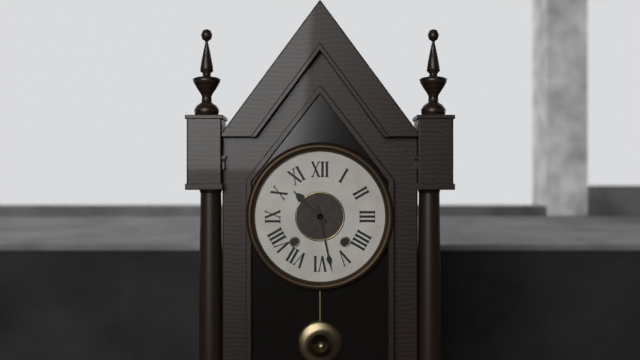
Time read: 10:28
